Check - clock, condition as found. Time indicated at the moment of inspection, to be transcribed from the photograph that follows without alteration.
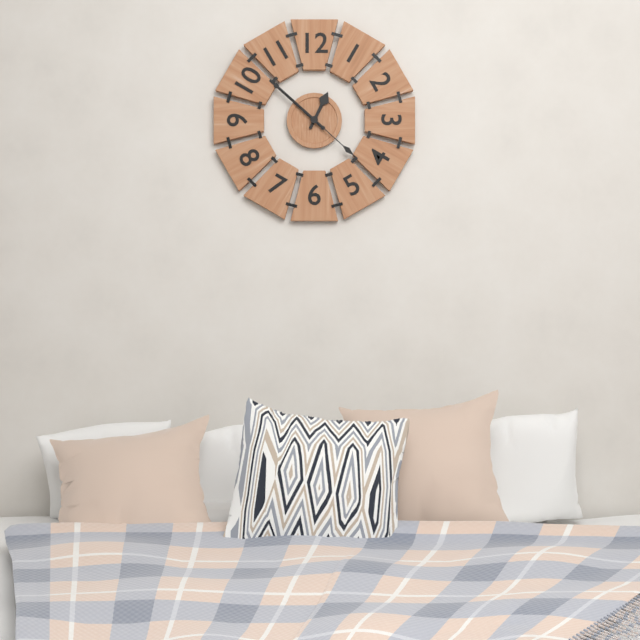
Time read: 12:52:22
